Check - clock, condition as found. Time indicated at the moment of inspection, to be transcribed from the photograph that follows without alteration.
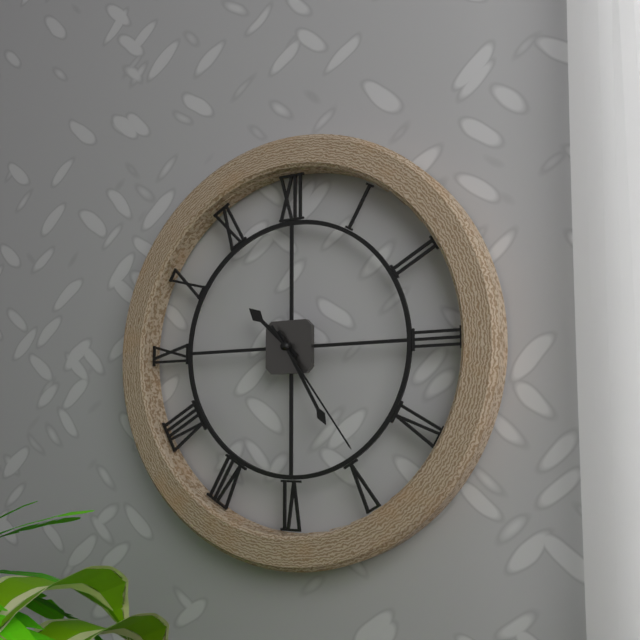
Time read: 10:25:24
